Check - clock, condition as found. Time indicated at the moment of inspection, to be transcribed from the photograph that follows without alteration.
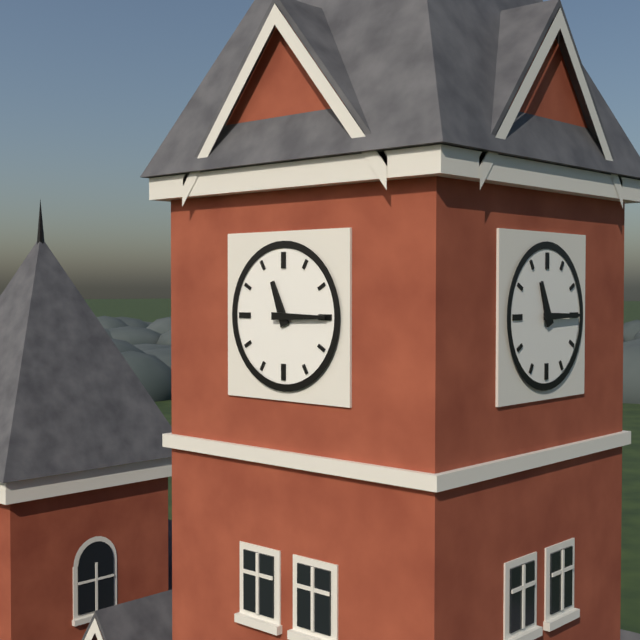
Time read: 11:15
